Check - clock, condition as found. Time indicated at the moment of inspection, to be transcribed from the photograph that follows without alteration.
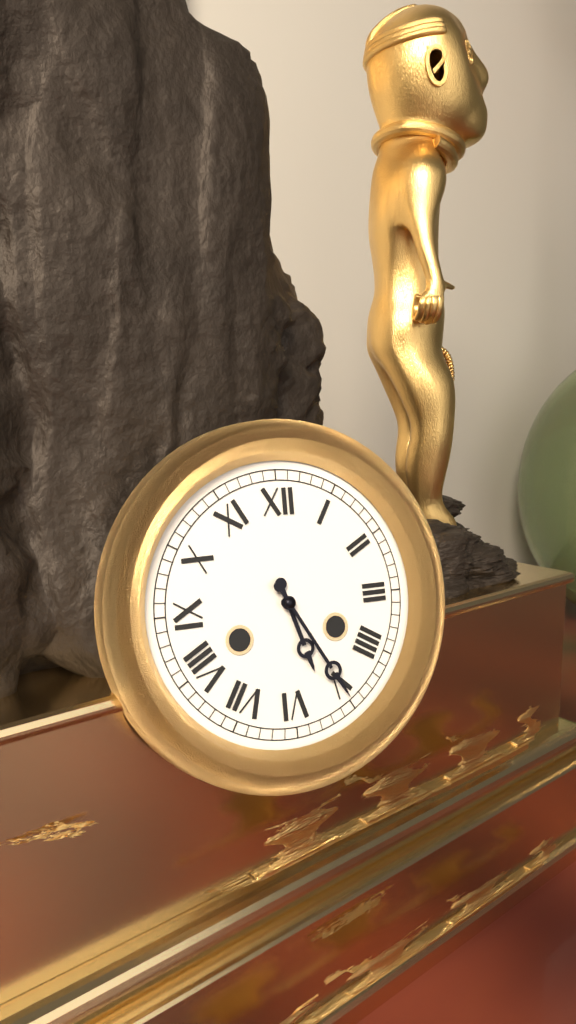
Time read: 5:25
